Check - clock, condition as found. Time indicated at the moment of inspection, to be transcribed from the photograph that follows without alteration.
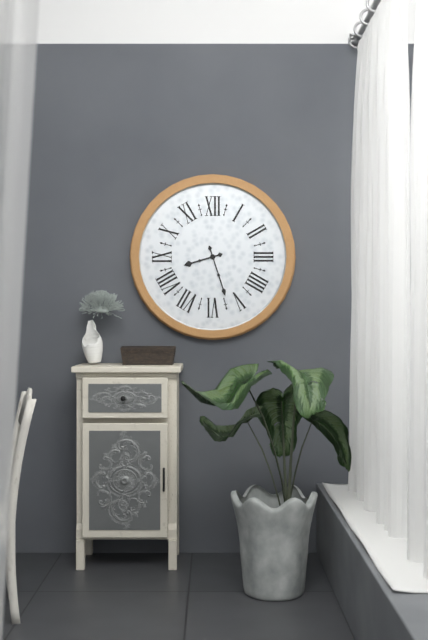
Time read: 8:27
